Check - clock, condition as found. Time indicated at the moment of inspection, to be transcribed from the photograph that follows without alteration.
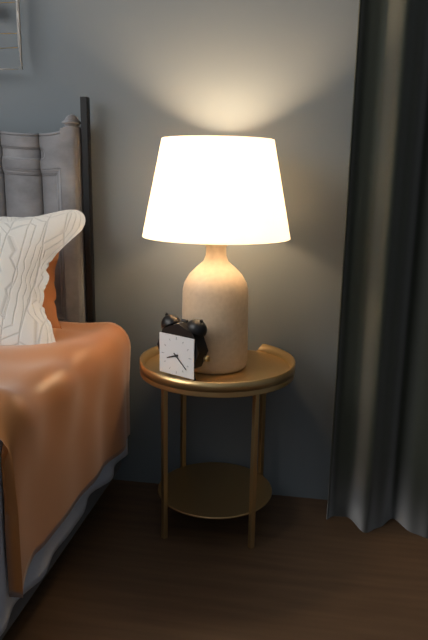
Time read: 8:22
